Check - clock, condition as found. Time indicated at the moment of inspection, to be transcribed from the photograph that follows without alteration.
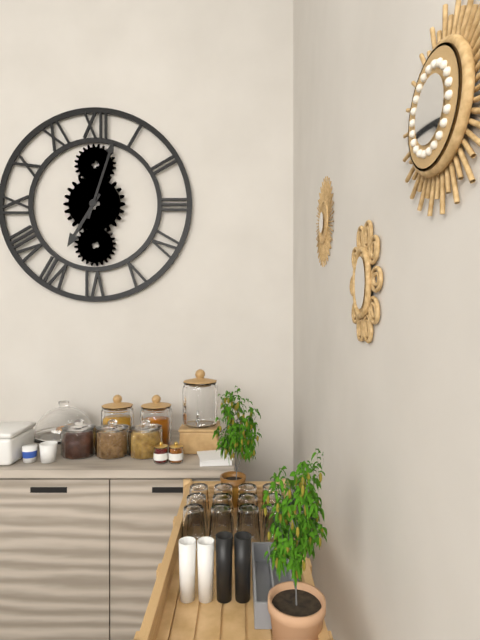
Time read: 7:03
